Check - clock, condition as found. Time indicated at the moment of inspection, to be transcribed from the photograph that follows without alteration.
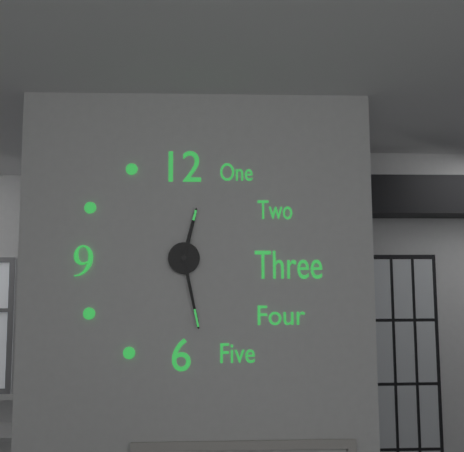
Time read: 12:28
